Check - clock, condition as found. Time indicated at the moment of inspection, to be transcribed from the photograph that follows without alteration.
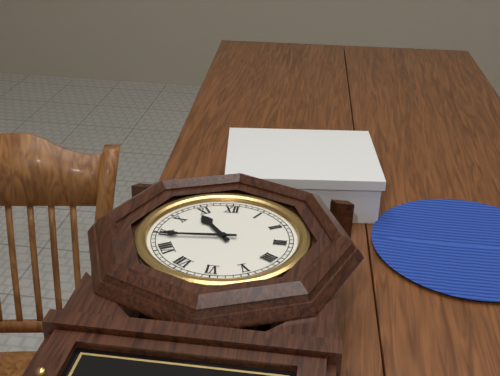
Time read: 10:44
